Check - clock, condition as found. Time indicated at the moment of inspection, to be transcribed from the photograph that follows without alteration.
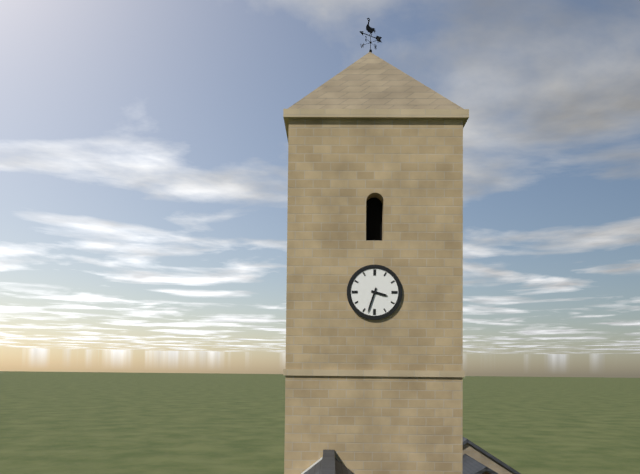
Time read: 3:33
